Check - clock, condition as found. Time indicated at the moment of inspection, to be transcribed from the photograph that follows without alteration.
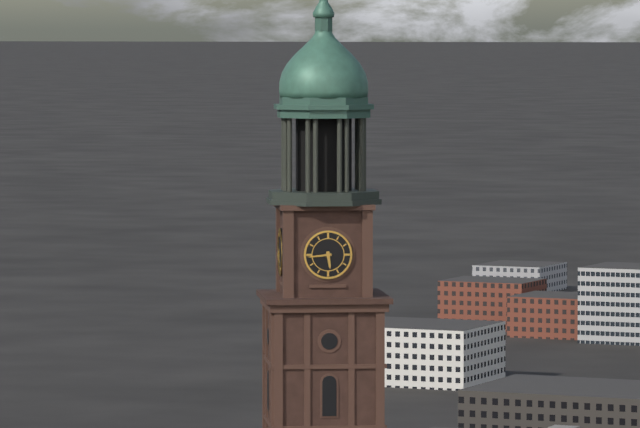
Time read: 5:44
